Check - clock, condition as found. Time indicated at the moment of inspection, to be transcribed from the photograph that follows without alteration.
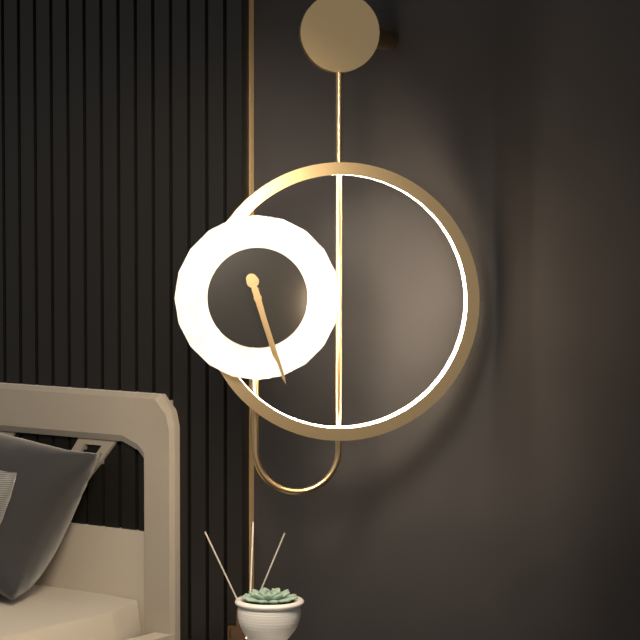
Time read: 5:27
